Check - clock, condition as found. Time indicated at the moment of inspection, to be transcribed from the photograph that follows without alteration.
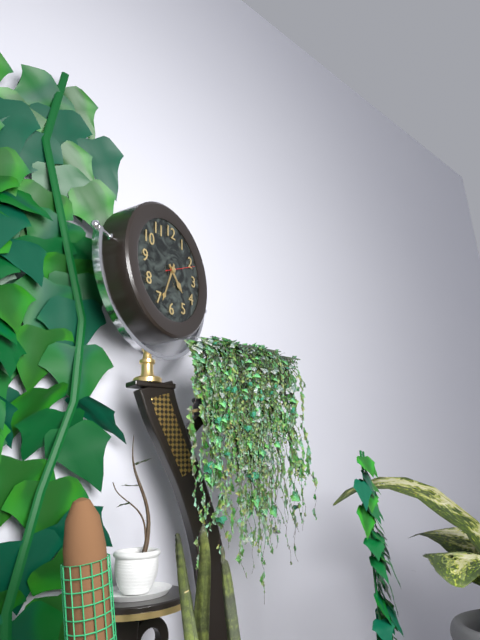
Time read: 4:34
